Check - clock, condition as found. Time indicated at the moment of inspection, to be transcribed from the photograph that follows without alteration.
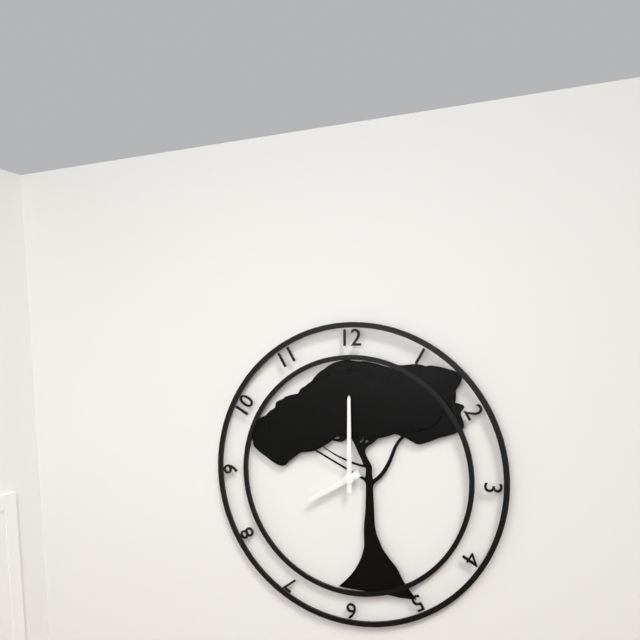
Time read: 8:00
